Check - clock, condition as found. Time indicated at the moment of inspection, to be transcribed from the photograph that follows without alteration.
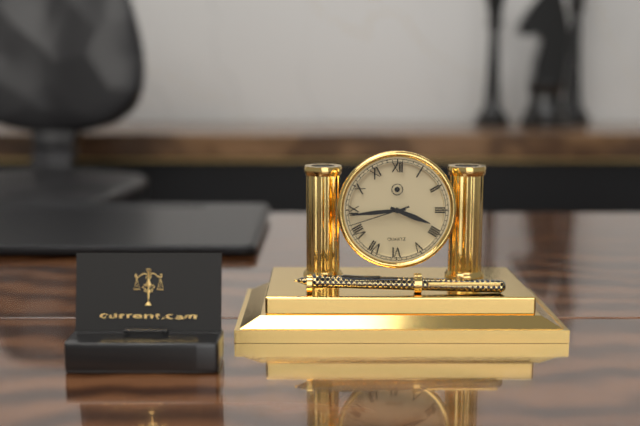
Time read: 3:44:42
